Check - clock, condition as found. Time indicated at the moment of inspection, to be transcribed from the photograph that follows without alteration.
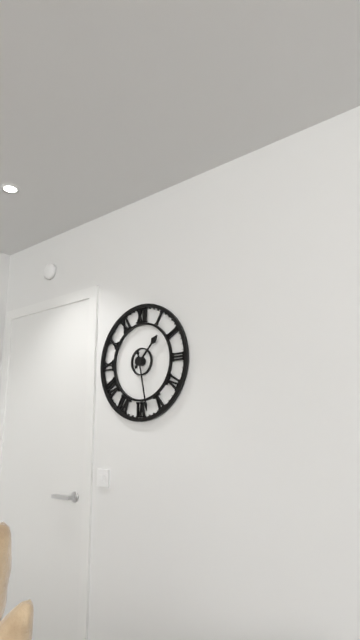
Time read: 1:28
